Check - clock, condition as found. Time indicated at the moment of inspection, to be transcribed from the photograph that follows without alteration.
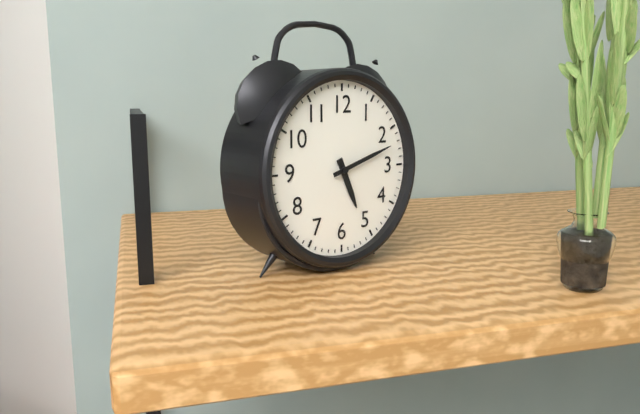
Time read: 5:12
